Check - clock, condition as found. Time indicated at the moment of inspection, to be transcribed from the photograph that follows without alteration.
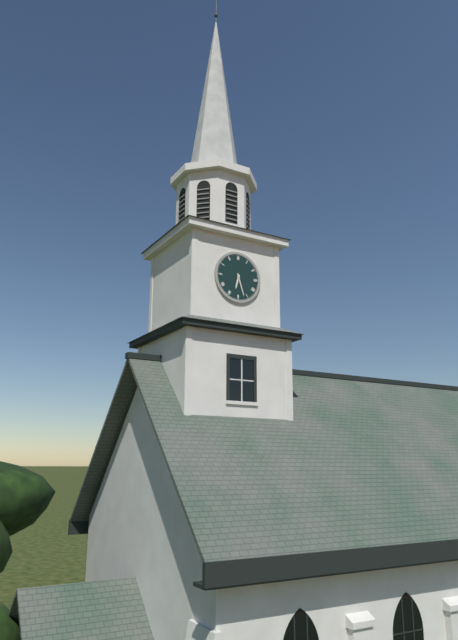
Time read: 6:27
